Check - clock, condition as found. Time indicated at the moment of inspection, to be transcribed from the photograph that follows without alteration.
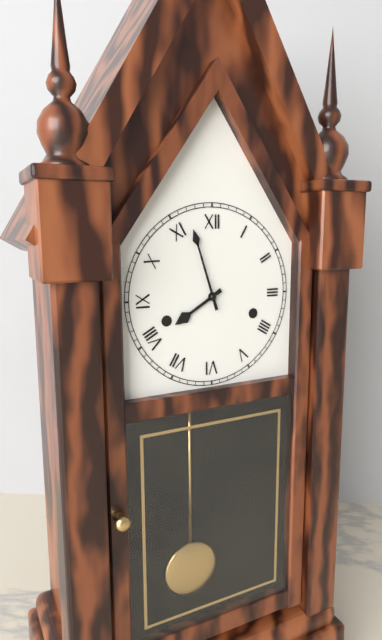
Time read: 7:57
